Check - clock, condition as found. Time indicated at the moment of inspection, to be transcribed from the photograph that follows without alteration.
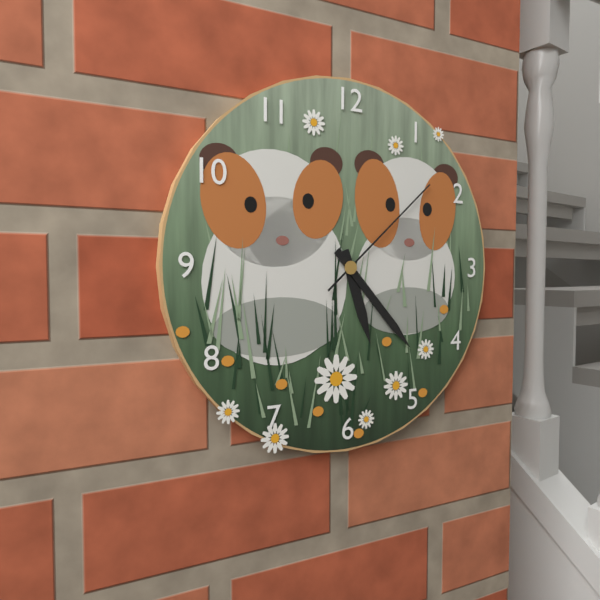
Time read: 5:23:08
